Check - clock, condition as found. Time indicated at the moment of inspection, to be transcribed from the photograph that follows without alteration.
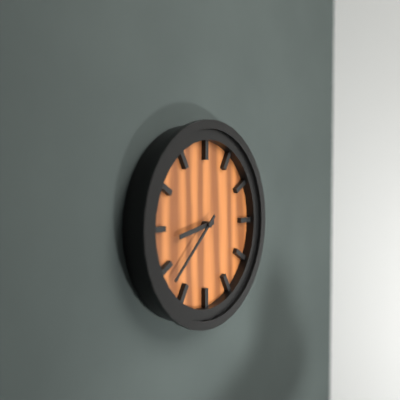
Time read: 8:38
